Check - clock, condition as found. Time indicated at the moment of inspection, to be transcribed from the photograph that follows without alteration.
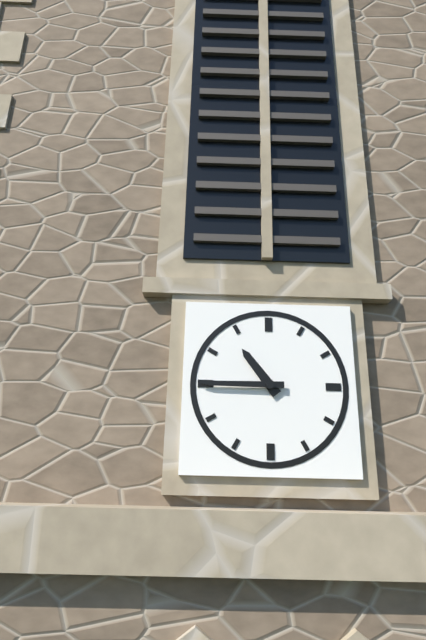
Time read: 10:45
